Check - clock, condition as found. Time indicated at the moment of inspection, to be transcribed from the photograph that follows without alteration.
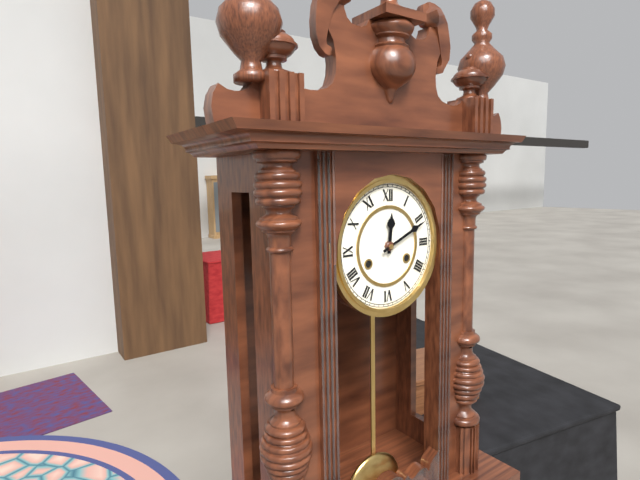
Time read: 12:11
